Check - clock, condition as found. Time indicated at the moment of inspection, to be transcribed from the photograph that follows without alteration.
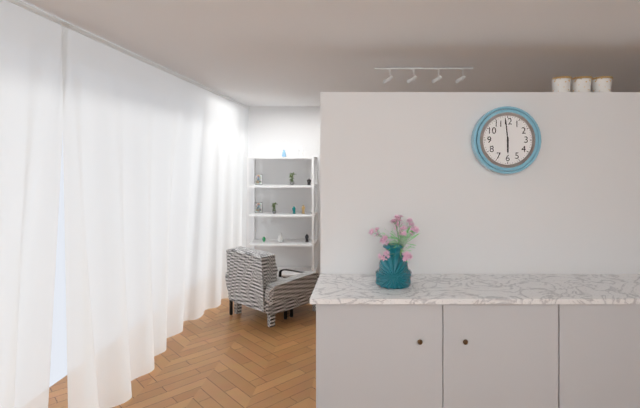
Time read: 5:59
